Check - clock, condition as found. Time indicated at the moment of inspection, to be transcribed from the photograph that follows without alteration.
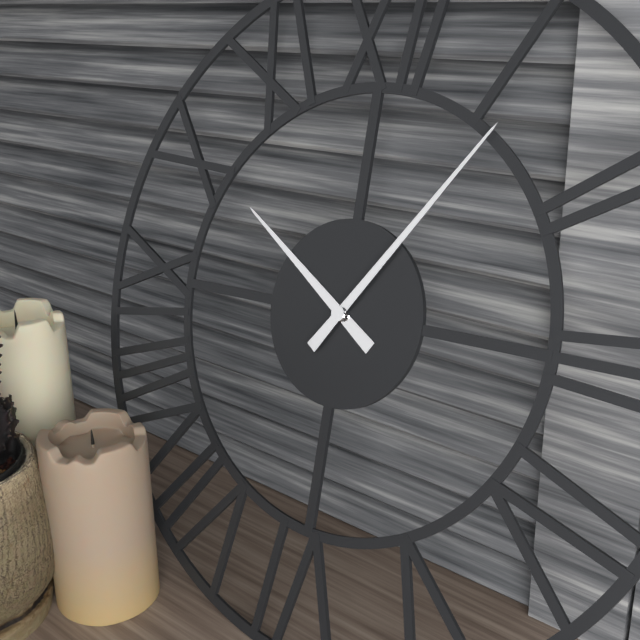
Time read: 10:06
